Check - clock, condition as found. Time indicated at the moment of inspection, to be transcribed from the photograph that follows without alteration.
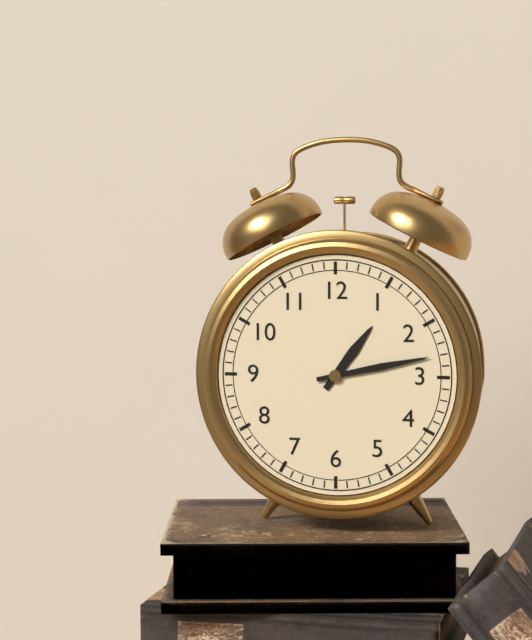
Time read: 1:13
